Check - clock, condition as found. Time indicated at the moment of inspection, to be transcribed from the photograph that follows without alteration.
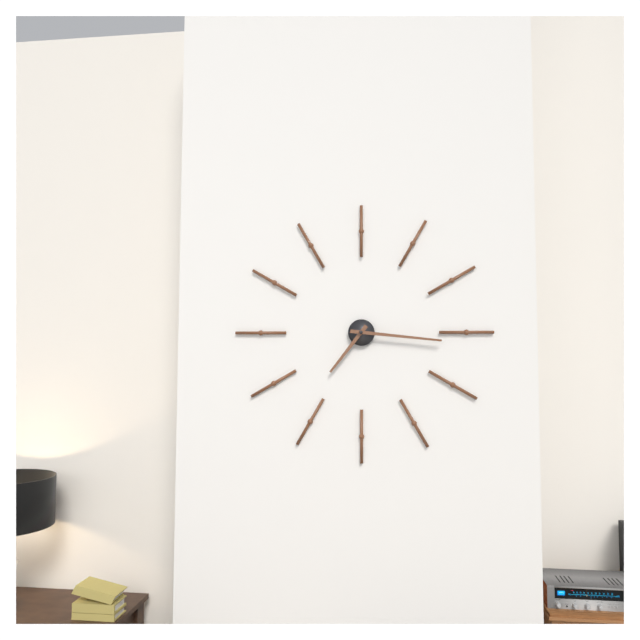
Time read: 7:16
